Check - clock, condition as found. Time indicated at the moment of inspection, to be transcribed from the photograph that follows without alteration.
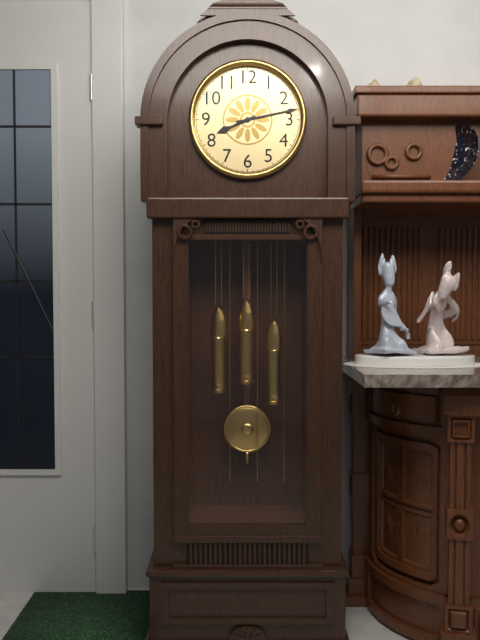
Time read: 8:13
